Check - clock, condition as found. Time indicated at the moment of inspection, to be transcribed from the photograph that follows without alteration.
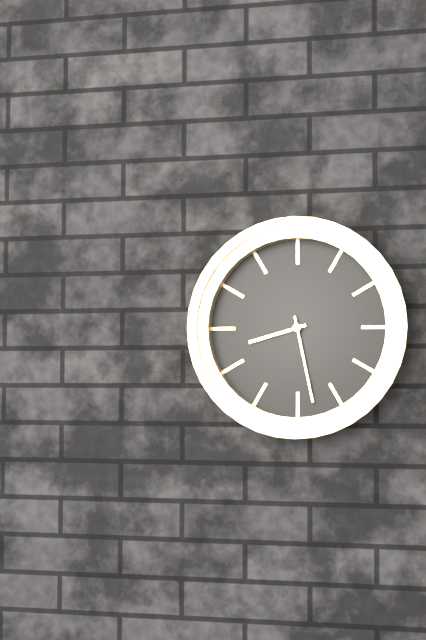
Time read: 8:28
